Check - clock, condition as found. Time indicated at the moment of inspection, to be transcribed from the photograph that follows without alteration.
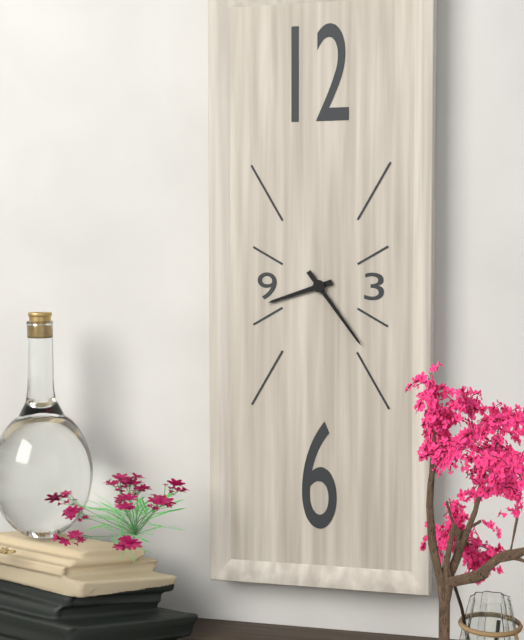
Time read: 8:24
